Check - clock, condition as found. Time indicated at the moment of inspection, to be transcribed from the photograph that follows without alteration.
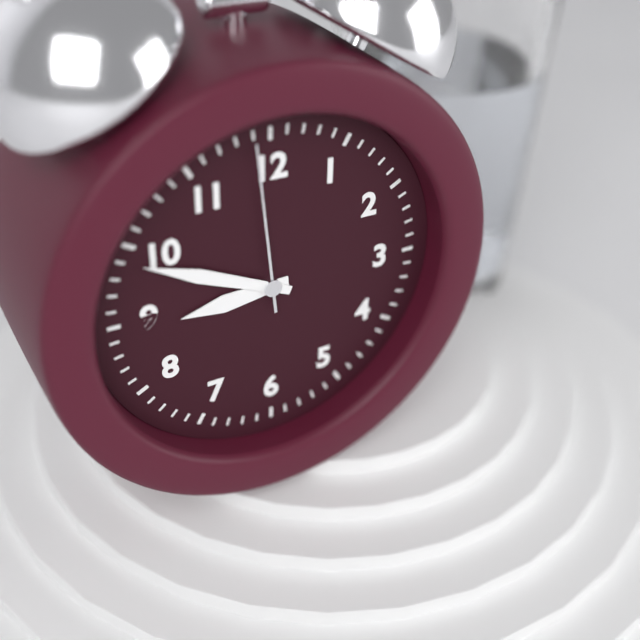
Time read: 8:49:59
